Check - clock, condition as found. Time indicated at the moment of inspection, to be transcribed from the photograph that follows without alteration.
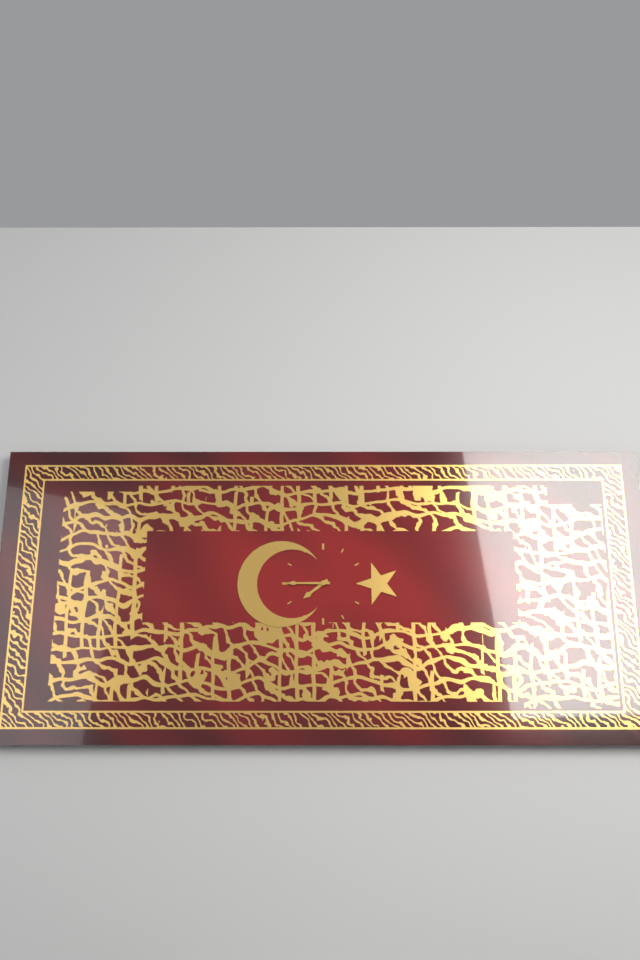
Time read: 7:45
